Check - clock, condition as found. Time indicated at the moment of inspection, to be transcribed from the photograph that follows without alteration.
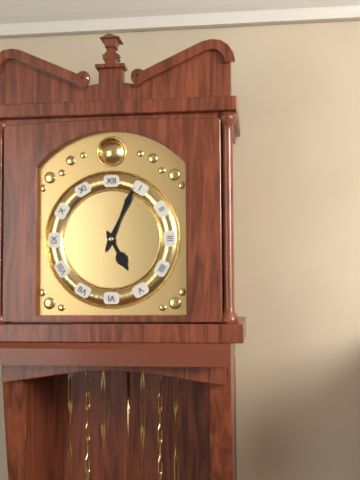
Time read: 5:04
